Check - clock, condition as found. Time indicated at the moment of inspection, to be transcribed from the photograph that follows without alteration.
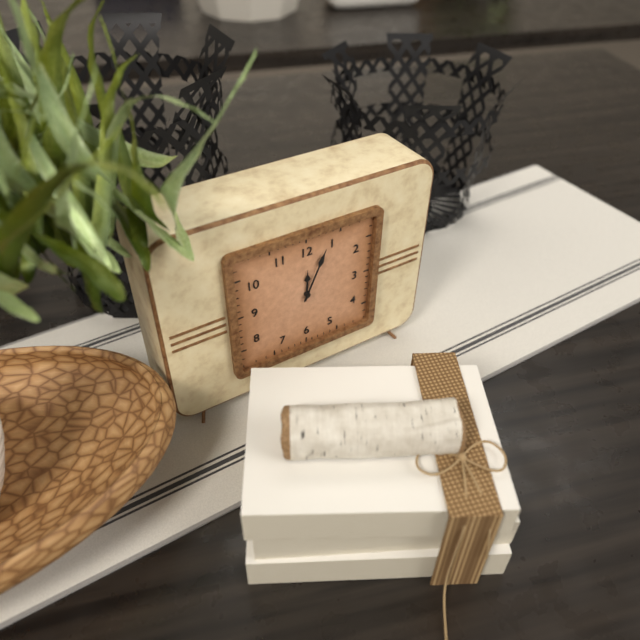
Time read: 12:04
